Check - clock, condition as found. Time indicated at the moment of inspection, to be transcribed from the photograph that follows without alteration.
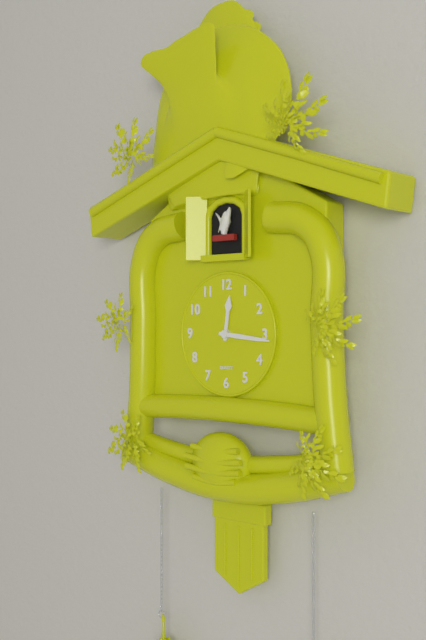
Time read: 12:16
